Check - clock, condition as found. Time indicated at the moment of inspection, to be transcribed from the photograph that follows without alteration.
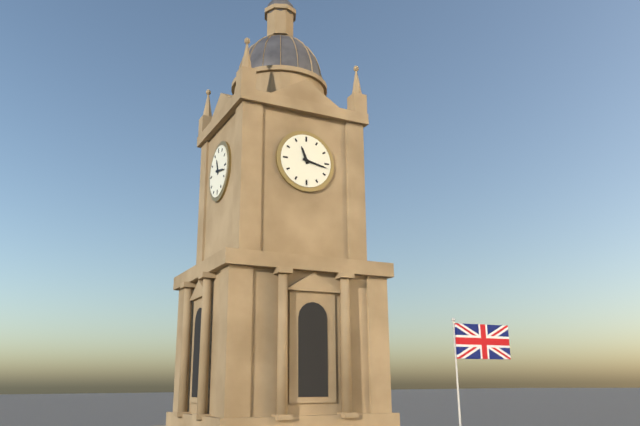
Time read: 11:17
